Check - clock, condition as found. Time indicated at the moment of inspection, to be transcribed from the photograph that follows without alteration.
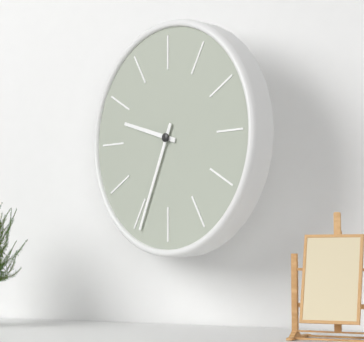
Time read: 9:34
